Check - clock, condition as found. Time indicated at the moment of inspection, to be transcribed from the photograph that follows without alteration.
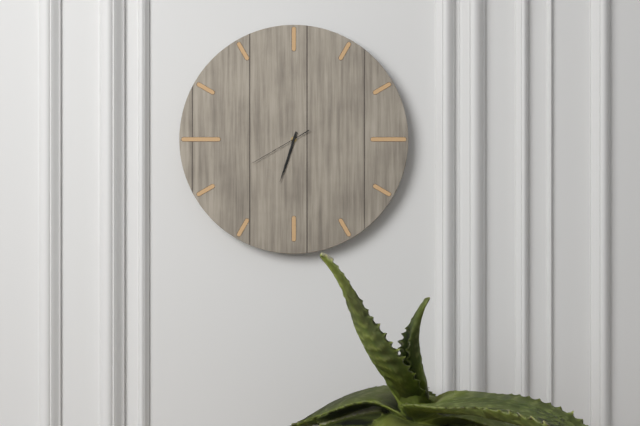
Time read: 6:33:40
